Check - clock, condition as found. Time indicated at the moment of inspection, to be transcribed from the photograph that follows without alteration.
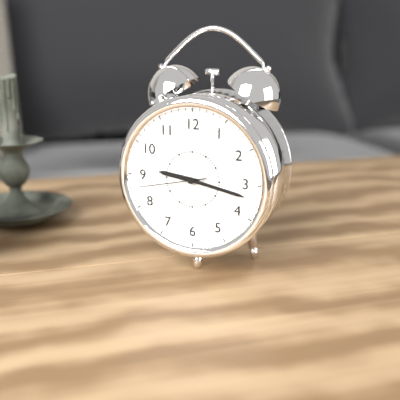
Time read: 9:17:43
